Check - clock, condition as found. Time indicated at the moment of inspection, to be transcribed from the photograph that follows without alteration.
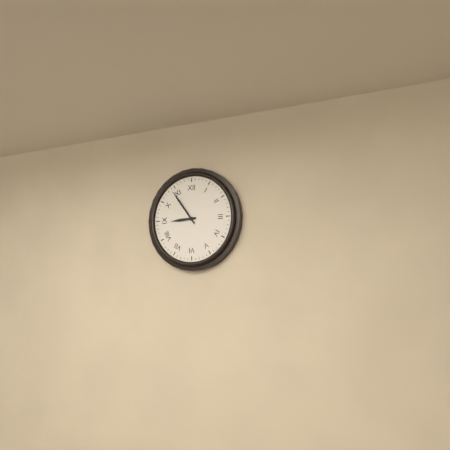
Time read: 8:54
